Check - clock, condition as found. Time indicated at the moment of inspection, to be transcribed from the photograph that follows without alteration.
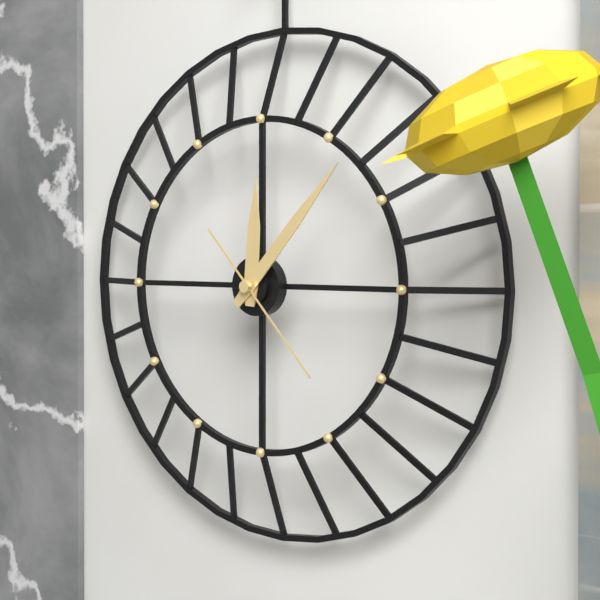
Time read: 12:07:23
